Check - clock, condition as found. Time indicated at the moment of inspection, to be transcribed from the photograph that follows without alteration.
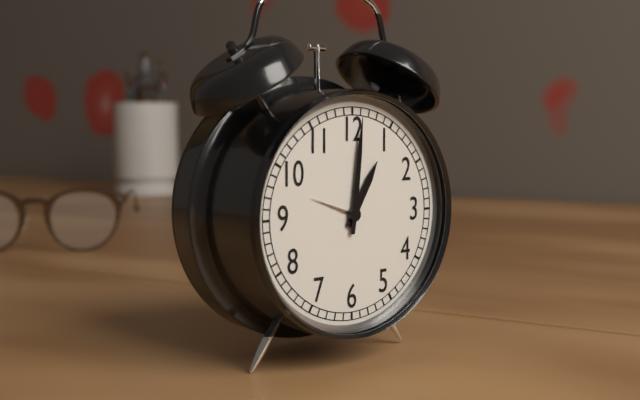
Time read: 1:01
